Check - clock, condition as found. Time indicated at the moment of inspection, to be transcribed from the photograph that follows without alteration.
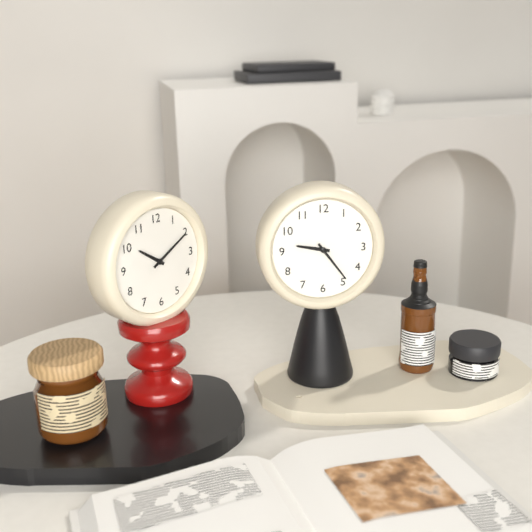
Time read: 9:24
